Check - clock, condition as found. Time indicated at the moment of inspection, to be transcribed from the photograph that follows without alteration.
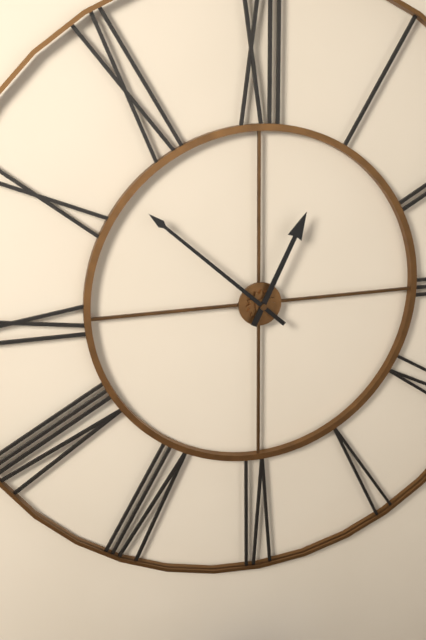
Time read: 12:52
